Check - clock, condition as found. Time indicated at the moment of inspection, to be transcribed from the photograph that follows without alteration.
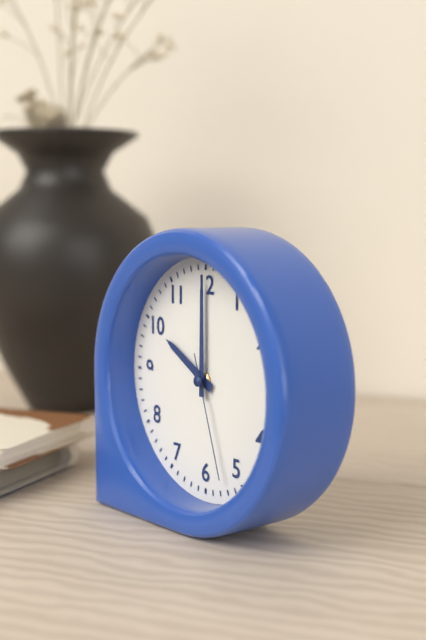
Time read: 10:00:27
